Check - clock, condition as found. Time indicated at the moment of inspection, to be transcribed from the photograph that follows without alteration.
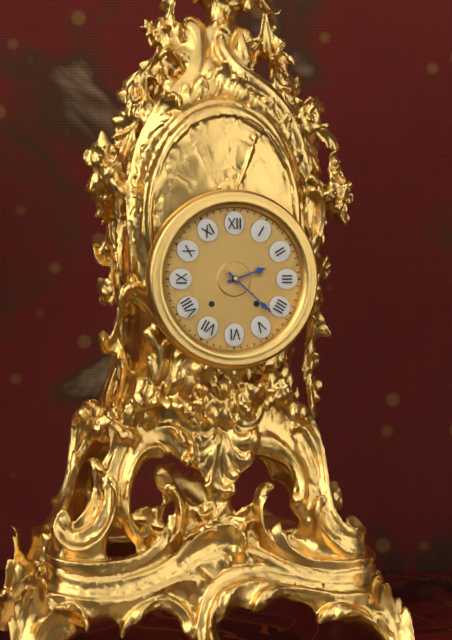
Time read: 2:22
